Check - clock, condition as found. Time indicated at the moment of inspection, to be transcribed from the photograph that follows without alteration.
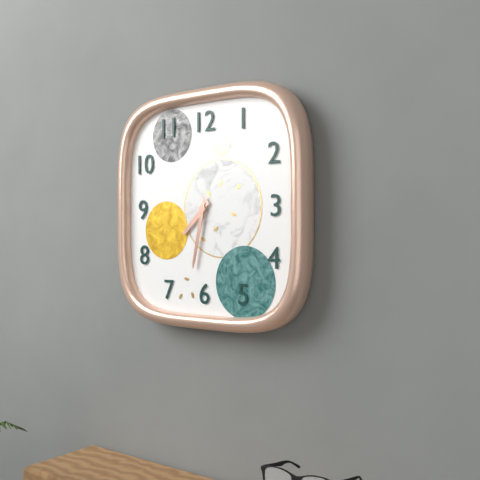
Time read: 7:32
